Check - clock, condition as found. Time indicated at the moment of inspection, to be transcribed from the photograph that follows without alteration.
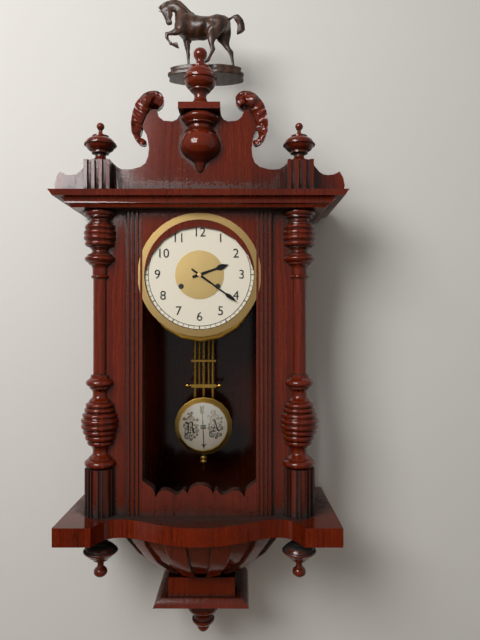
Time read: 2:21
